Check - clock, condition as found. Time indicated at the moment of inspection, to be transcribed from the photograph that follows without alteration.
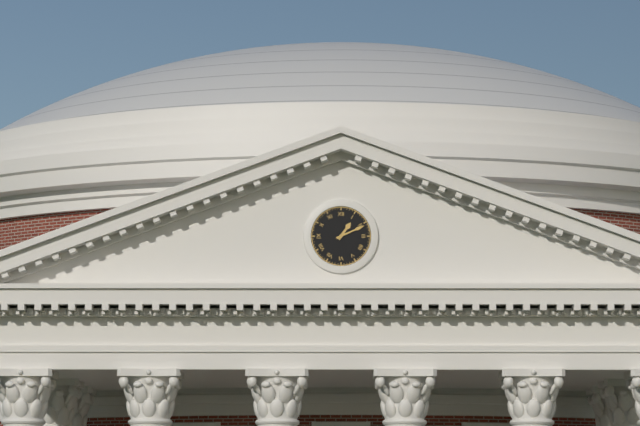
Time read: 1:11
